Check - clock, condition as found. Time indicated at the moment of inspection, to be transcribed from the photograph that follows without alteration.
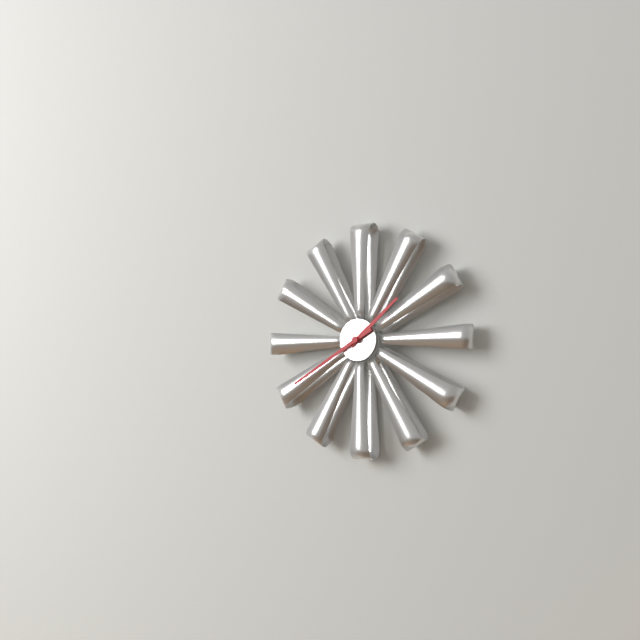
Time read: 1:40
